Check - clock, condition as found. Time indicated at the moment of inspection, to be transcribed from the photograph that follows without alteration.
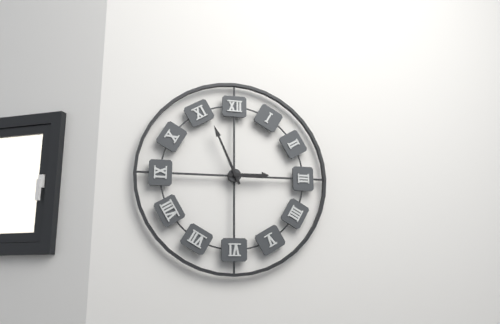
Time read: 2:56
